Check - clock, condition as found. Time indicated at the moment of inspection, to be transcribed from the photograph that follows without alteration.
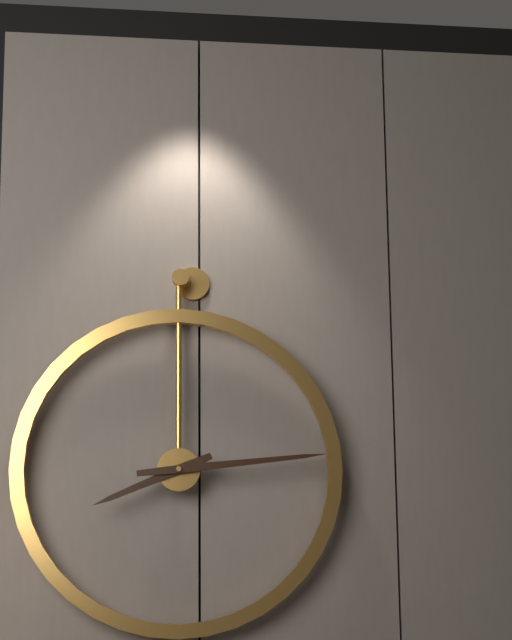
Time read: 8:14
